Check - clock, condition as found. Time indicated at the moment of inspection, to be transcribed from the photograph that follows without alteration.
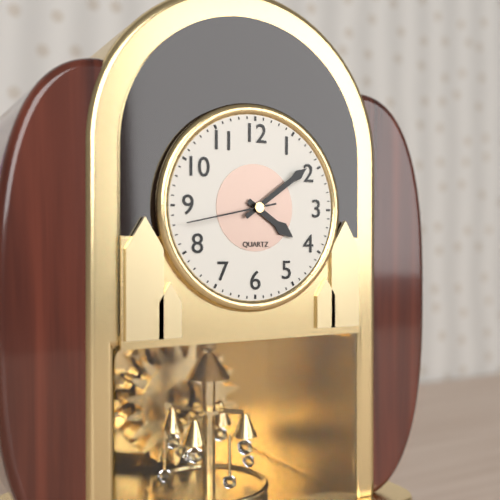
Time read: 4:09:43
